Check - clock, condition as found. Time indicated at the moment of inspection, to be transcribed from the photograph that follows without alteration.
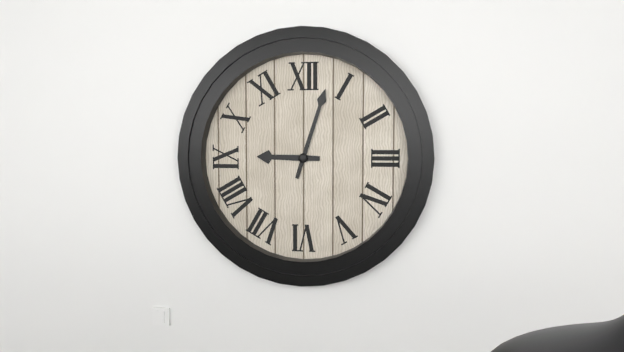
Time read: 9:03
